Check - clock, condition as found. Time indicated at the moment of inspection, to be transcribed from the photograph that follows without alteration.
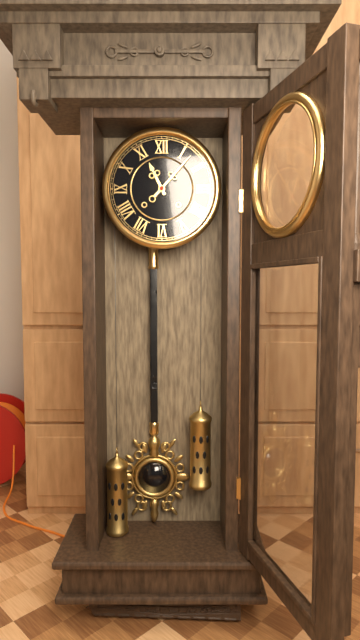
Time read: 11:07
